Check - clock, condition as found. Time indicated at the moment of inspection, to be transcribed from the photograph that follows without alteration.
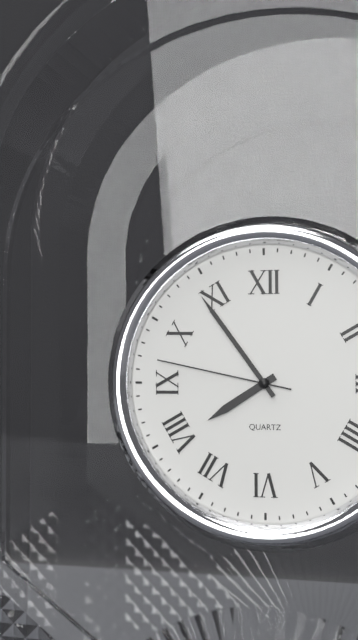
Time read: 7:54:47
